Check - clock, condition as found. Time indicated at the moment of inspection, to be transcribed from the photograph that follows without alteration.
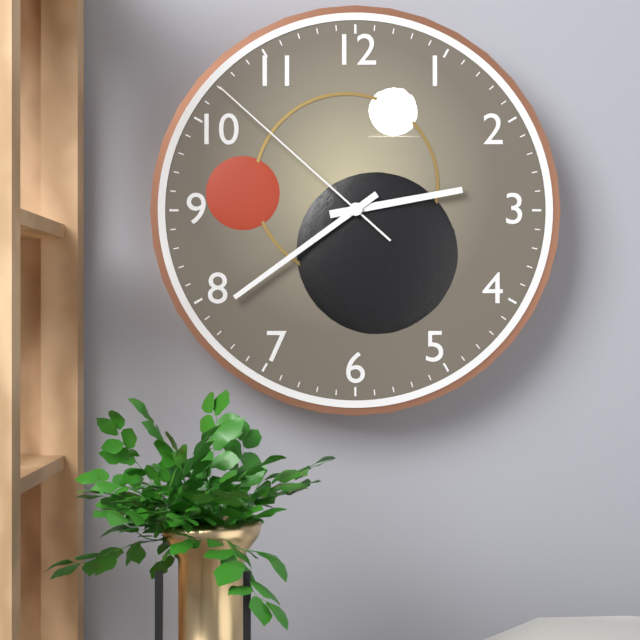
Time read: 2:39:52
